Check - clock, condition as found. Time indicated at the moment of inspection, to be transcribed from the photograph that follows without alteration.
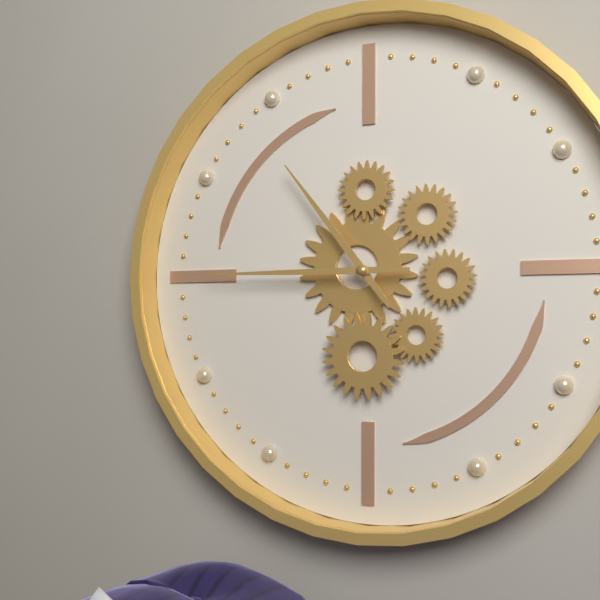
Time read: 10:45
